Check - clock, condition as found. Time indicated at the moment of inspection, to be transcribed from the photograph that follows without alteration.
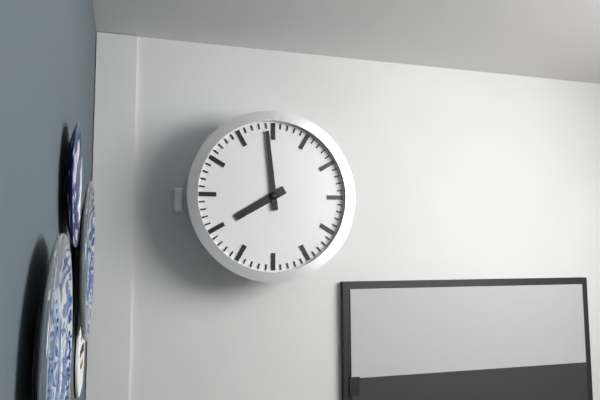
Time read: 7:59
